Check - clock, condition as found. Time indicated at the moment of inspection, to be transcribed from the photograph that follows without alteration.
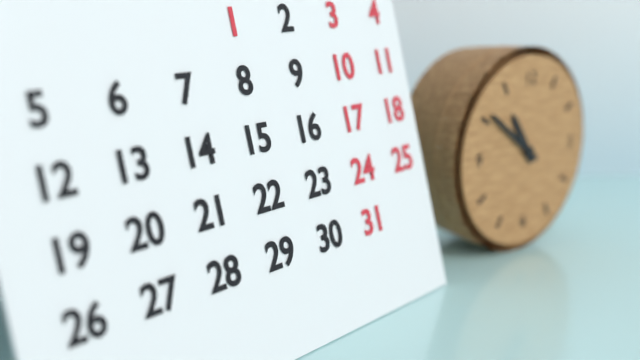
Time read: 10:51
